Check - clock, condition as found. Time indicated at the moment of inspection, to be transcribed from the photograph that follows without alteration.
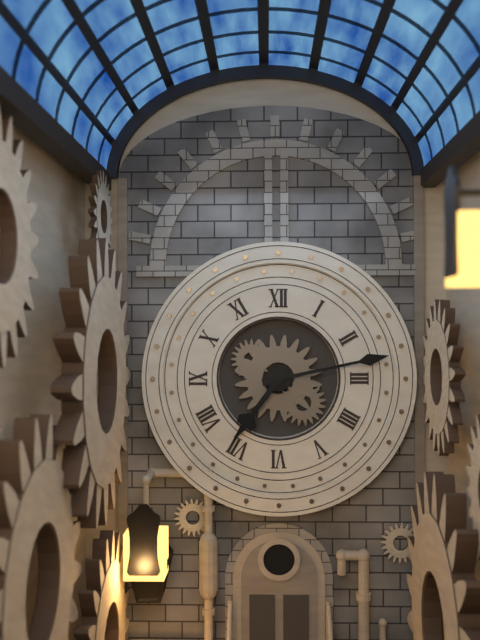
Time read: 7:13
